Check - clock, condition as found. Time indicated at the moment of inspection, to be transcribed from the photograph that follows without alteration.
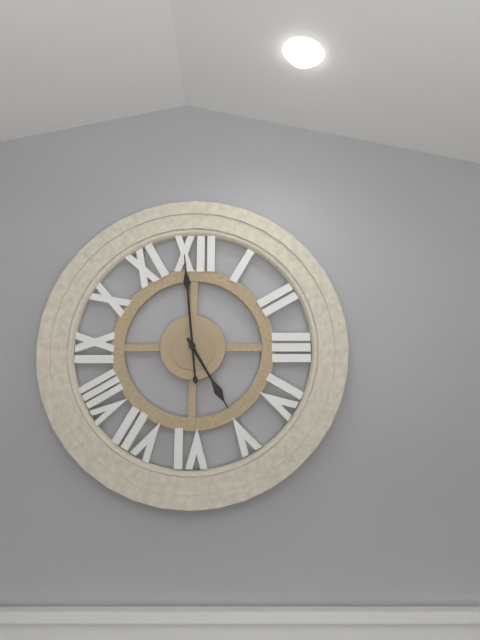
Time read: 4:59
